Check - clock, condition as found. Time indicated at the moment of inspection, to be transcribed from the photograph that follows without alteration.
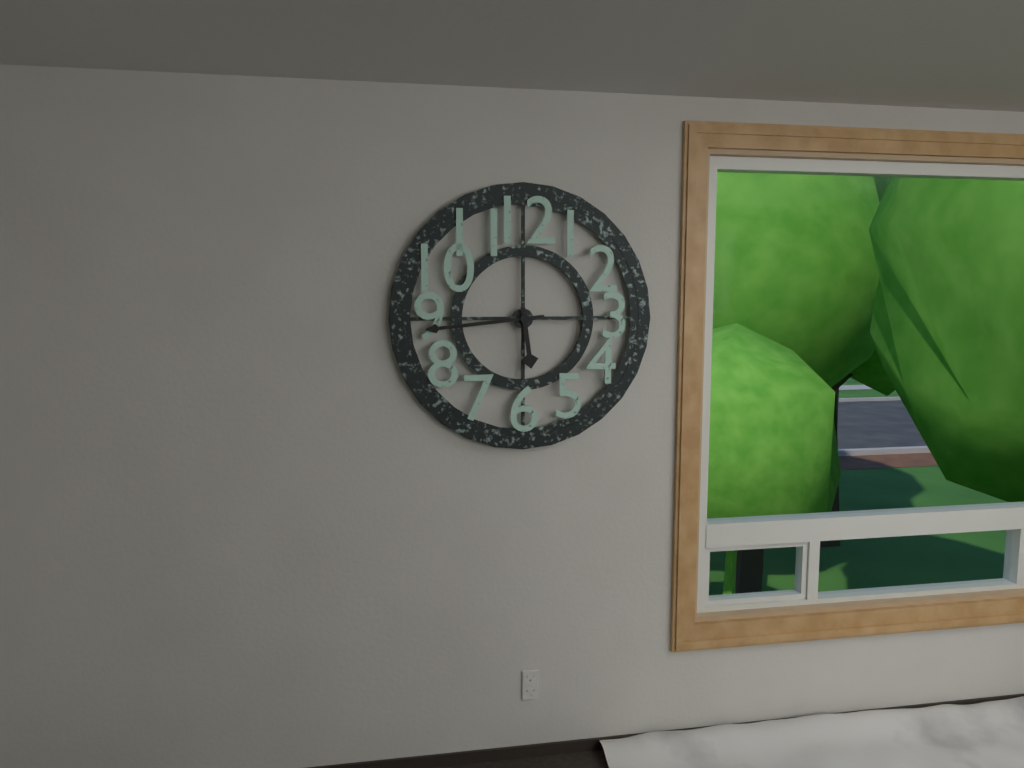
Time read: 5:44
